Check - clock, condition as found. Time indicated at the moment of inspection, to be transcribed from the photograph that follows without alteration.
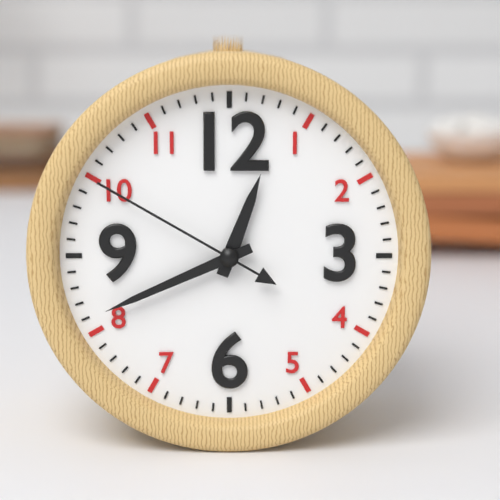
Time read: 12:41:50
